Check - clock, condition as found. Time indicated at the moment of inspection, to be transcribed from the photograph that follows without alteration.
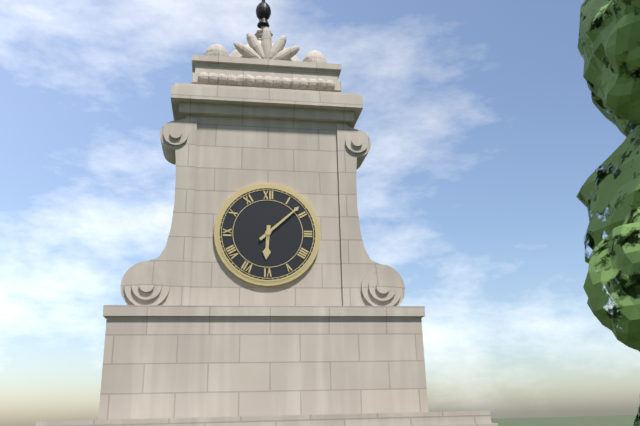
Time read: 6:08
